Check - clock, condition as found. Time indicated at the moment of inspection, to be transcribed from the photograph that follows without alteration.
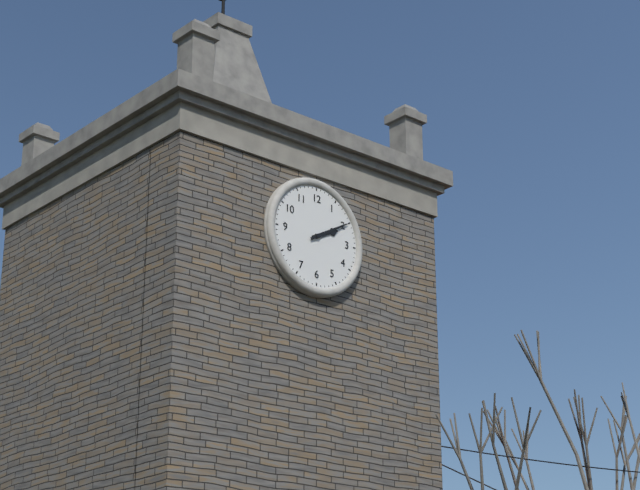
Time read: 2:10
